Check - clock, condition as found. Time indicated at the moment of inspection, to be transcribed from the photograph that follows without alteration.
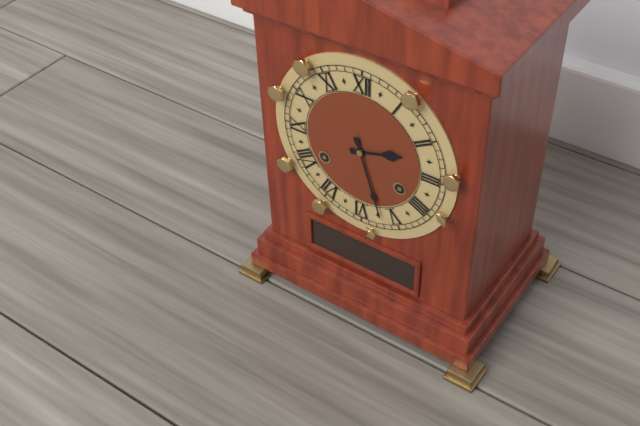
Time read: 2:27
